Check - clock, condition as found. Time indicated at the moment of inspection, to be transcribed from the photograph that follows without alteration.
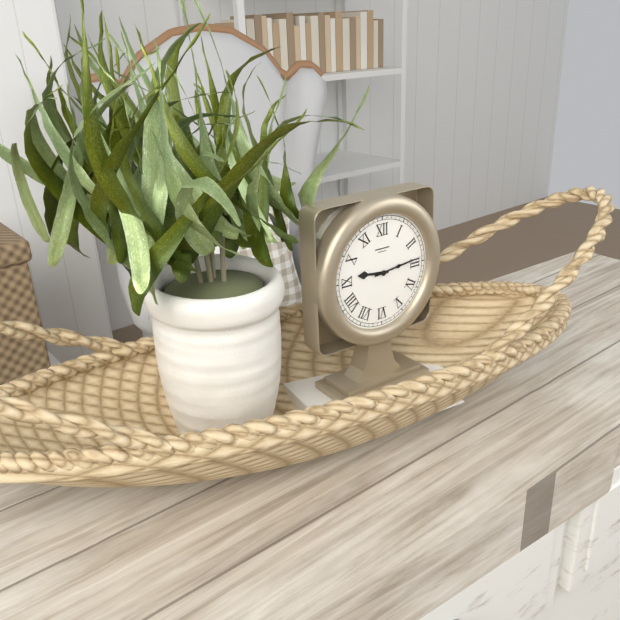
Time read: 9:14
